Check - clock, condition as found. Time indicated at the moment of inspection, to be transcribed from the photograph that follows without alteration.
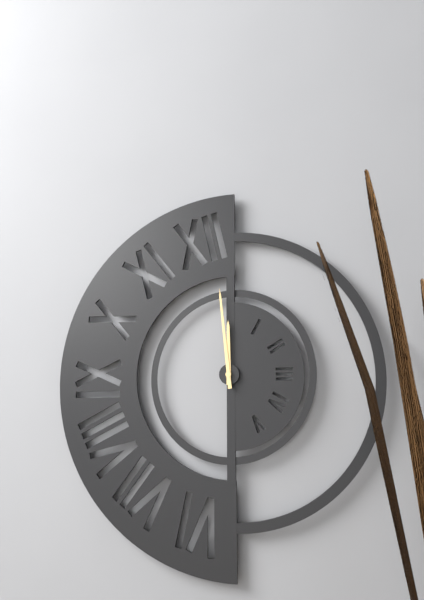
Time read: 11:59
